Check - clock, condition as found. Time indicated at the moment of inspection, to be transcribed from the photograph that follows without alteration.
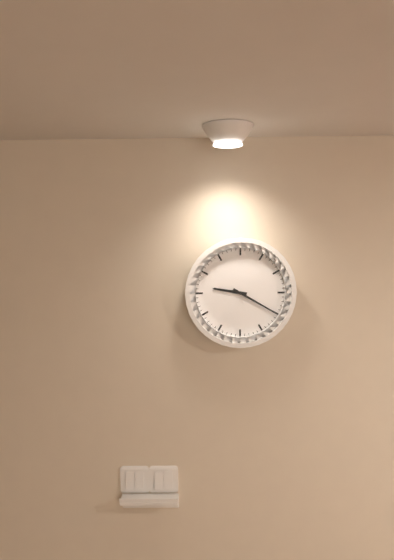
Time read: 9:20
